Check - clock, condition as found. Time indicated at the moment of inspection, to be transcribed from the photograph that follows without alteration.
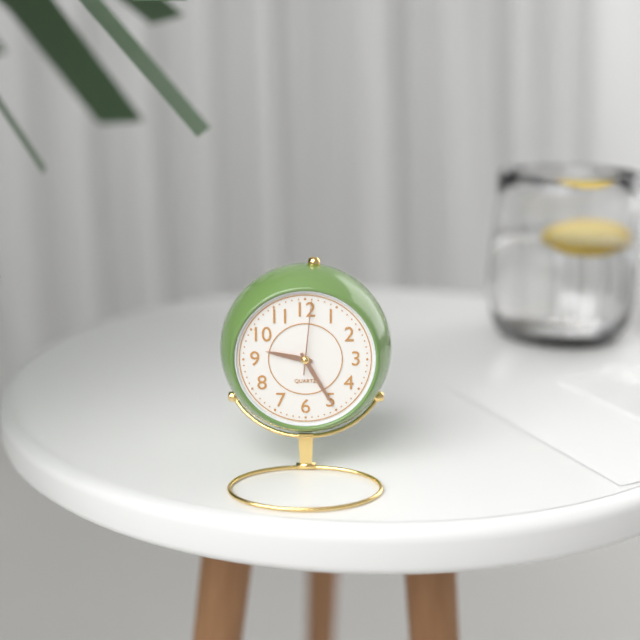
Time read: 9:25:01
